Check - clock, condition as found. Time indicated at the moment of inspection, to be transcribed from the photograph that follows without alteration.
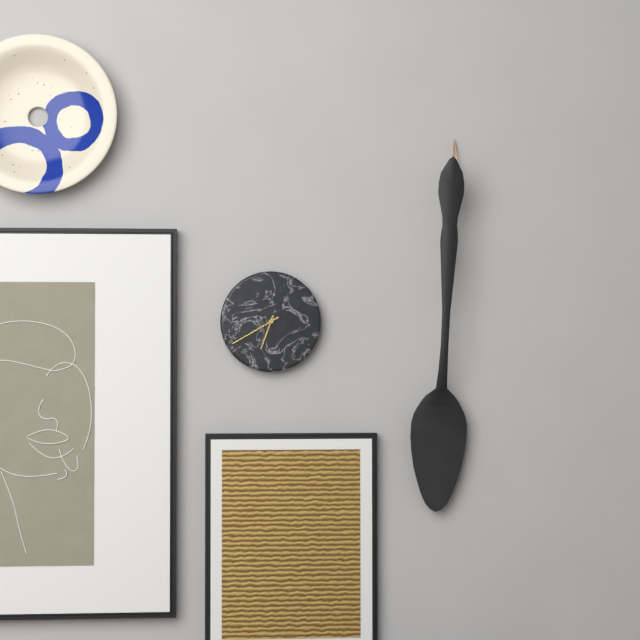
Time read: 6:40
